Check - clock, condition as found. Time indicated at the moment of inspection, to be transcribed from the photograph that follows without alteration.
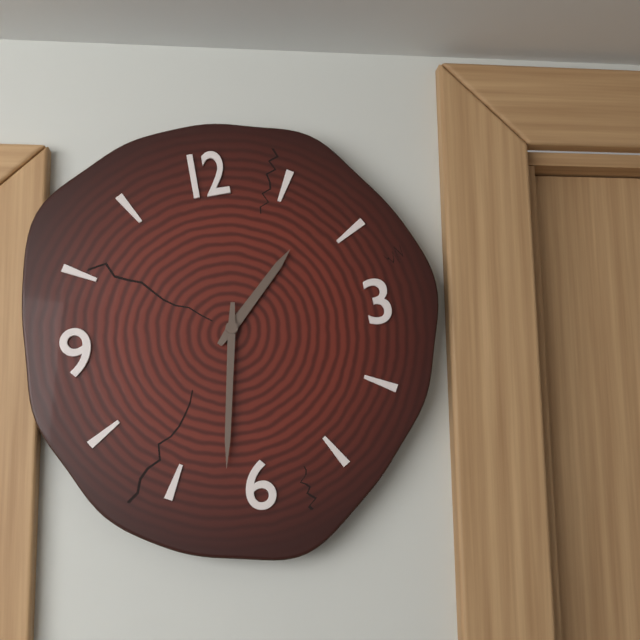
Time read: 1:32
